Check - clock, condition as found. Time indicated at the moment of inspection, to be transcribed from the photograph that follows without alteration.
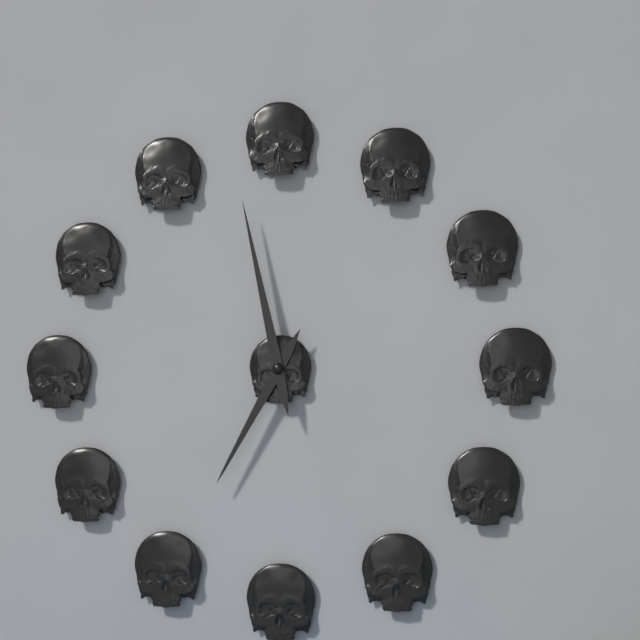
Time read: 6:58
